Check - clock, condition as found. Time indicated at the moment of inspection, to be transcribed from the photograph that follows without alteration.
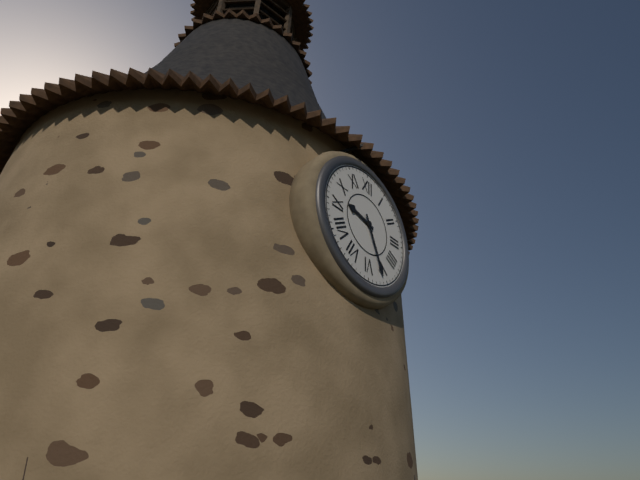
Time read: 9:26
